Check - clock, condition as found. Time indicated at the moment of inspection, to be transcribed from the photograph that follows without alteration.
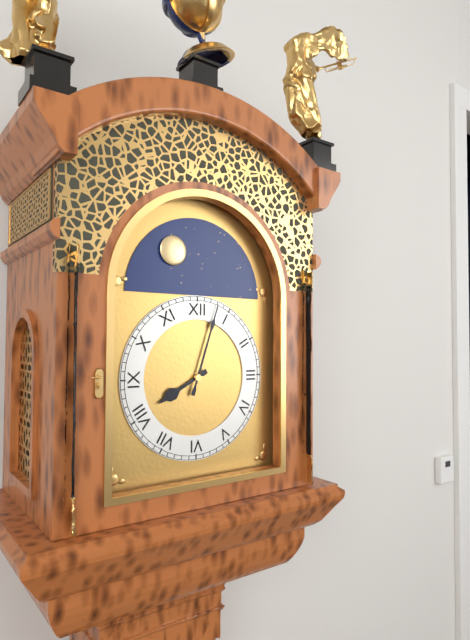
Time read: 8:03
